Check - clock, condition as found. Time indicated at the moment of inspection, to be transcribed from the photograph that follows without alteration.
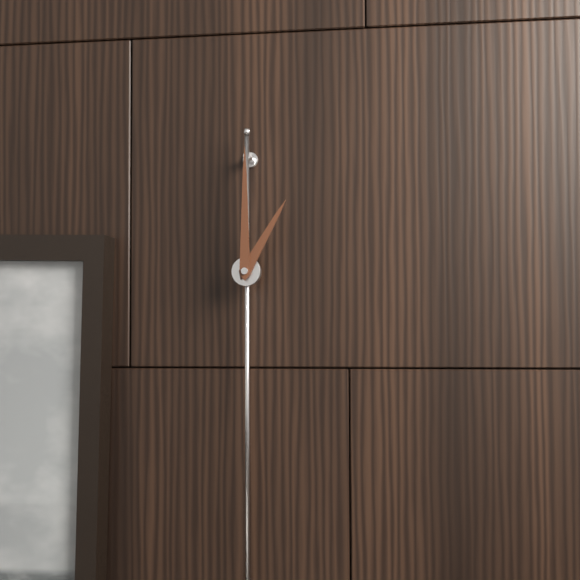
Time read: 1:00
